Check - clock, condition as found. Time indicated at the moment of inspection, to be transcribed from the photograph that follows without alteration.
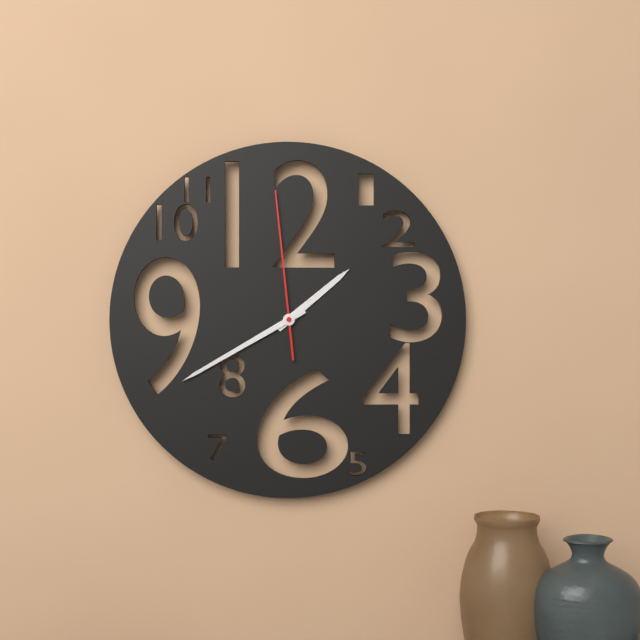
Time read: 1:40:59
